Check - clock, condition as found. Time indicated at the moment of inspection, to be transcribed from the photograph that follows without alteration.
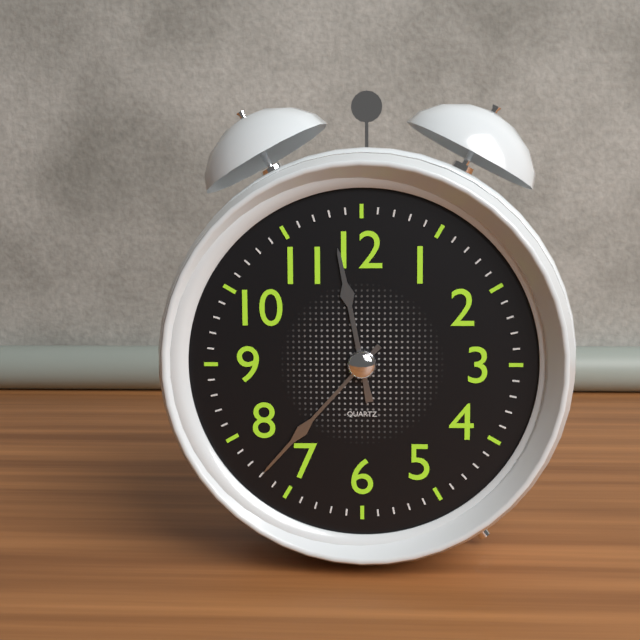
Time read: 11:37
